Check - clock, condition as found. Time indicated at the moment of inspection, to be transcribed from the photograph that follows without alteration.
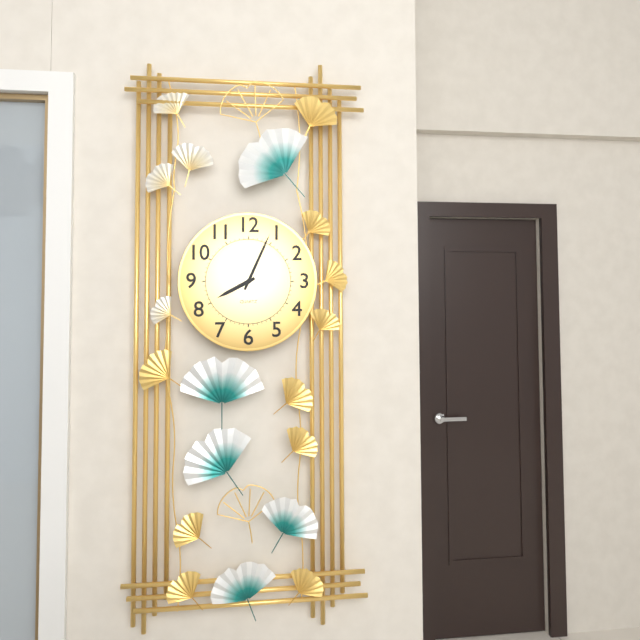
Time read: 8:04
